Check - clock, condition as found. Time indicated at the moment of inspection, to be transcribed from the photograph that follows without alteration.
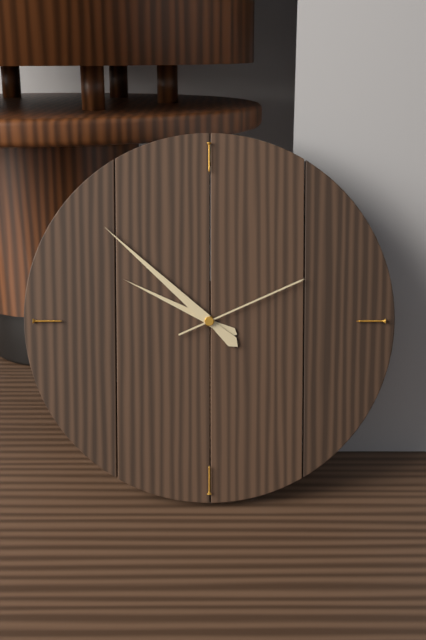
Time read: 9:52:11
